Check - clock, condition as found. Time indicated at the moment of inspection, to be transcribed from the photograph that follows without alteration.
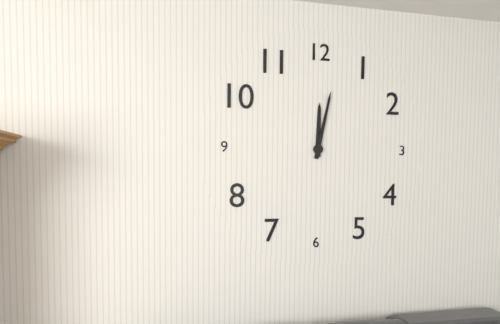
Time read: 12:02
